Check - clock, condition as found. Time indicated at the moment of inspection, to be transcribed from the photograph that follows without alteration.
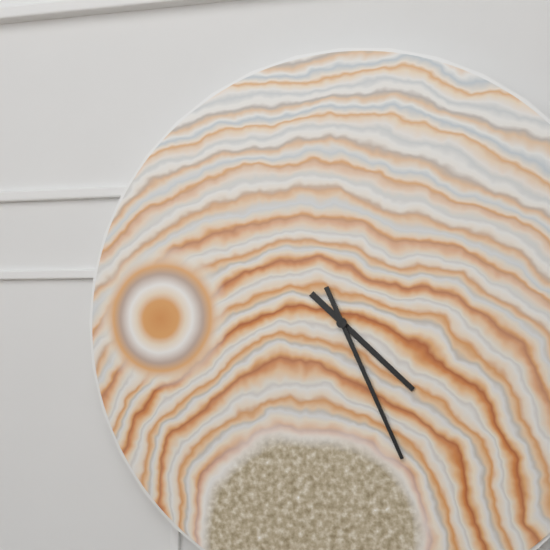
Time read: 4:26
